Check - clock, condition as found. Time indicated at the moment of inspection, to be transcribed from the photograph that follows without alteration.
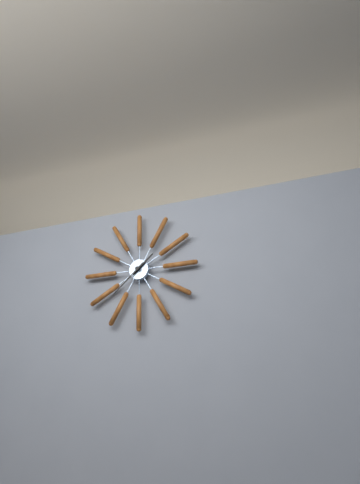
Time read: 1:38
